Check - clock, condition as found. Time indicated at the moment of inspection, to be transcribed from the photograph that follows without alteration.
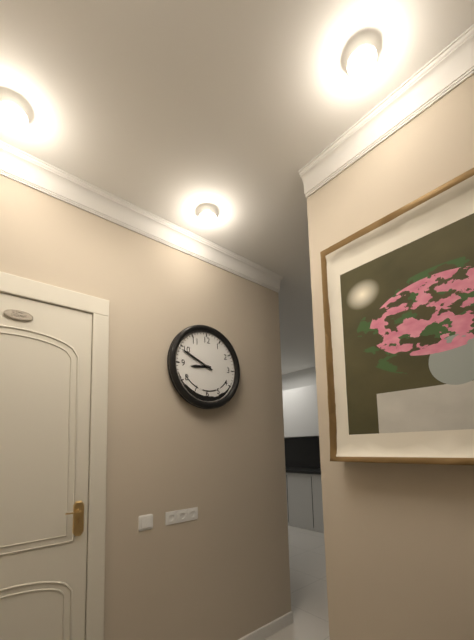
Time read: 8:49
